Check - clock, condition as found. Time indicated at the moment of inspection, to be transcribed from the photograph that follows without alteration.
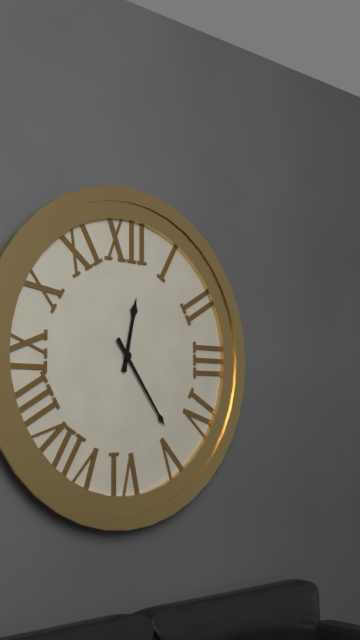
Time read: 12:24
